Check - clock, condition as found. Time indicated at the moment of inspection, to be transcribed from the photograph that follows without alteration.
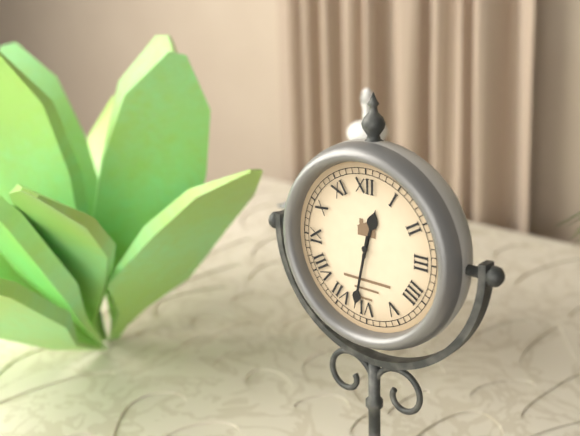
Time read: 12:32
